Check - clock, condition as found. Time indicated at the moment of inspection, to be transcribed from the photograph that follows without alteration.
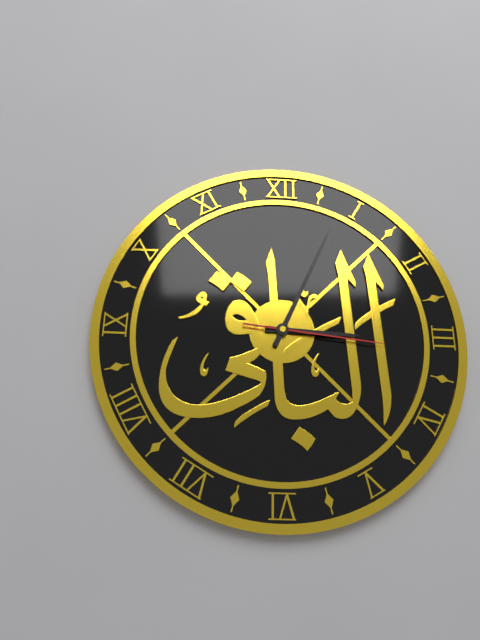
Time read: 3:04:16
